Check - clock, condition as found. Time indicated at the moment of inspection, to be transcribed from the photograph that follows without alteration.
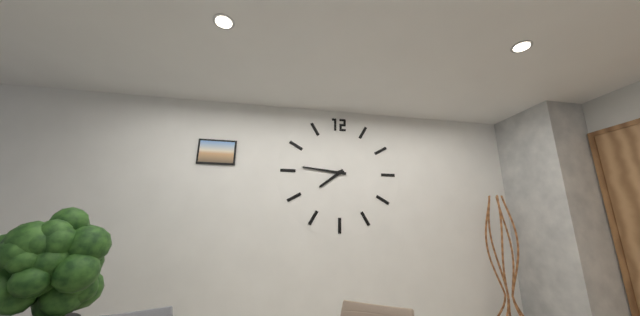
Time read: 7:46
